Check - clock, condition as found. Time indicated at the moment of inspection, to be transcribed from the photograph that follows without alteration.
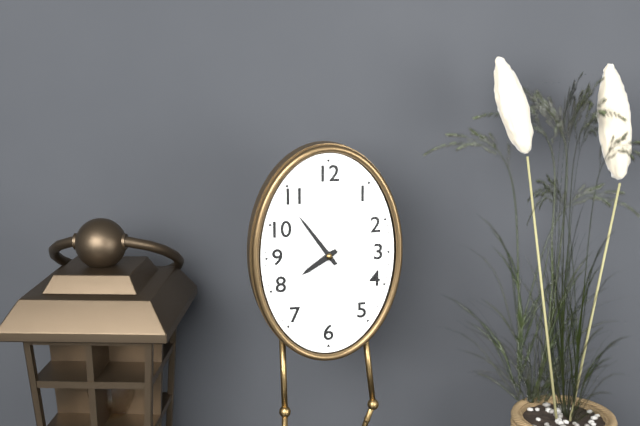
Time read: 7:54
